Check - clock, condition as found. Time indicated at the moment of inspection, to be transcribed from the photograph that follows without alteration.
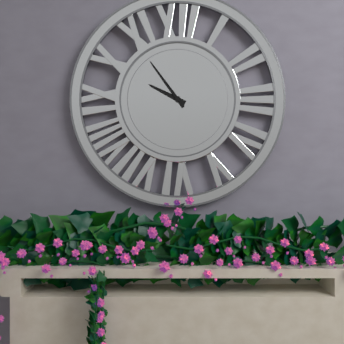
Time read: 9:54
